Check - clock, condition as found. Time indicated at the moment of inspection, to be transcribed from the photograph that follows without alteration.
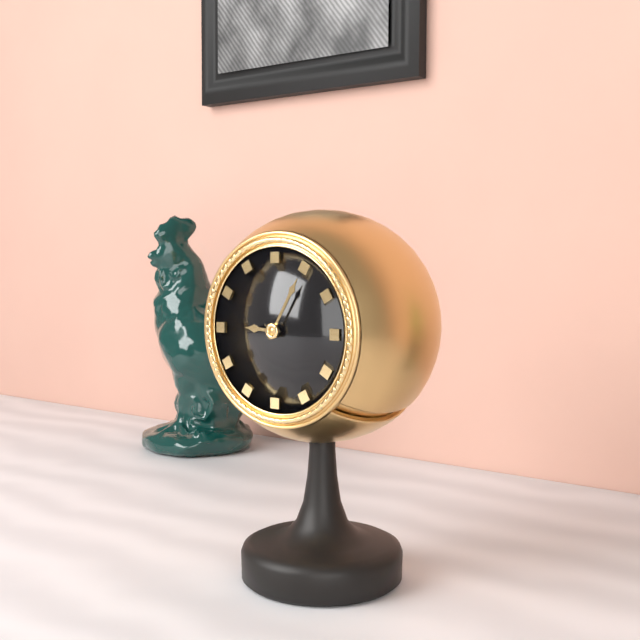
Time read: 9:05
